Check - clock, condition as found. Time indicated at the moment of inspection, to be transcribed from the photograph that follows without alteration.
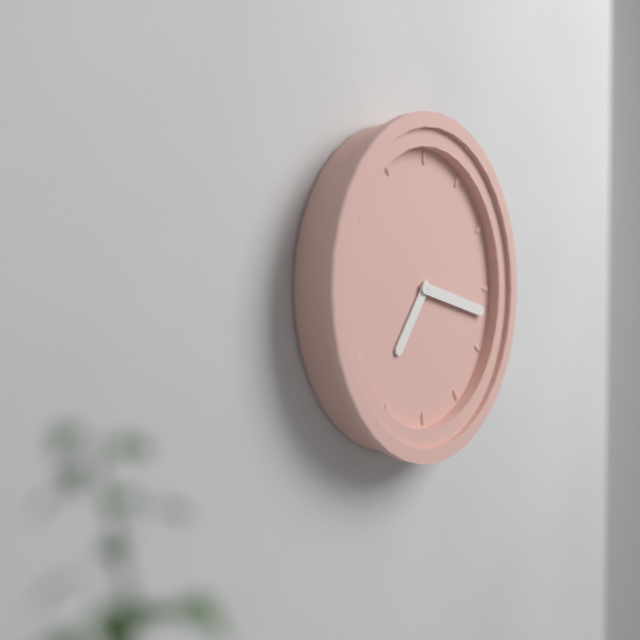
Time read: 7:17
